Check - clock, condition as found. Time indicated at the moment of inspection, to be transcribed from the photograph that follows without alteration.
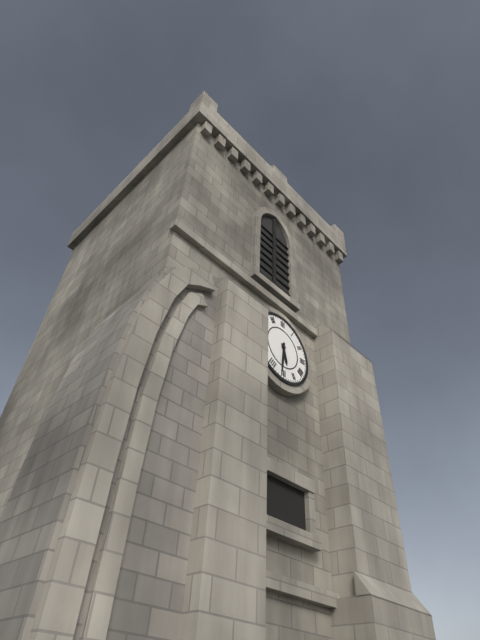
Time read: 5:31
